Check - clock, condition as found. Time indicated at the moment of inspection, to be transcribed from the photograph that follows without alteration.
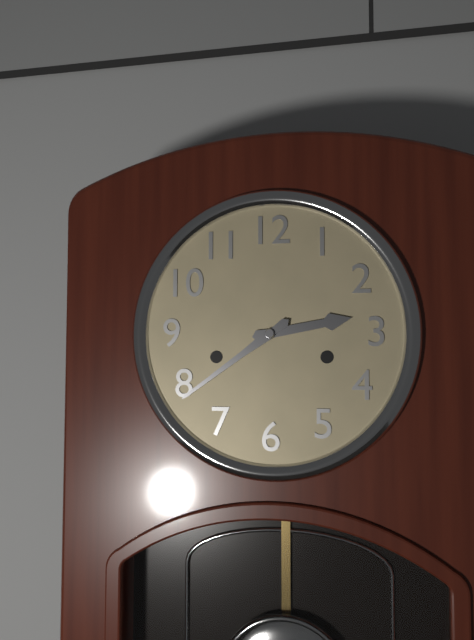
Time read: 2:39
